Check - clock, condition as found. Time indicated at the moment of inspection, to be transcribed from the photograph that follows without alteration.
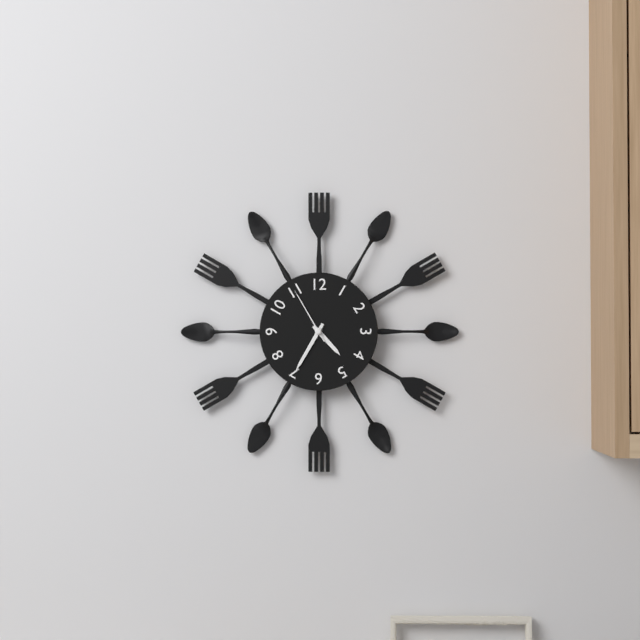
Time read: 4:35:55
